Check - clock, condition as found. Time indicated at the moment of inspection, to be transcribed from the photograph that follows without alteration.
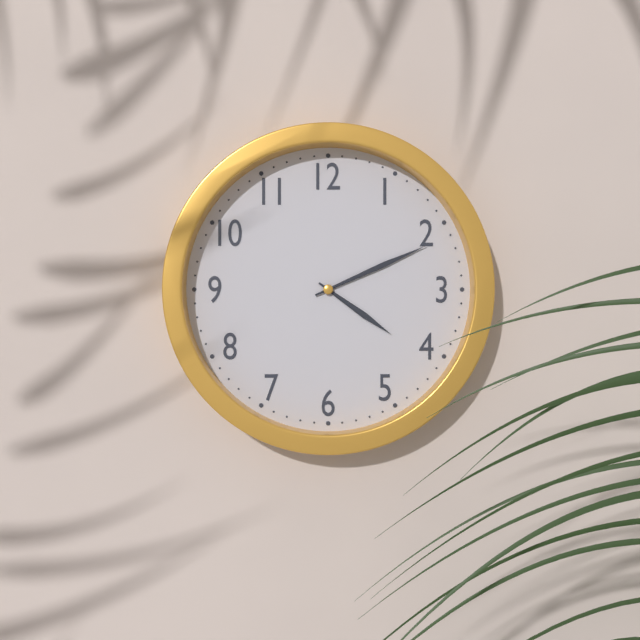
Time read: 4:11
